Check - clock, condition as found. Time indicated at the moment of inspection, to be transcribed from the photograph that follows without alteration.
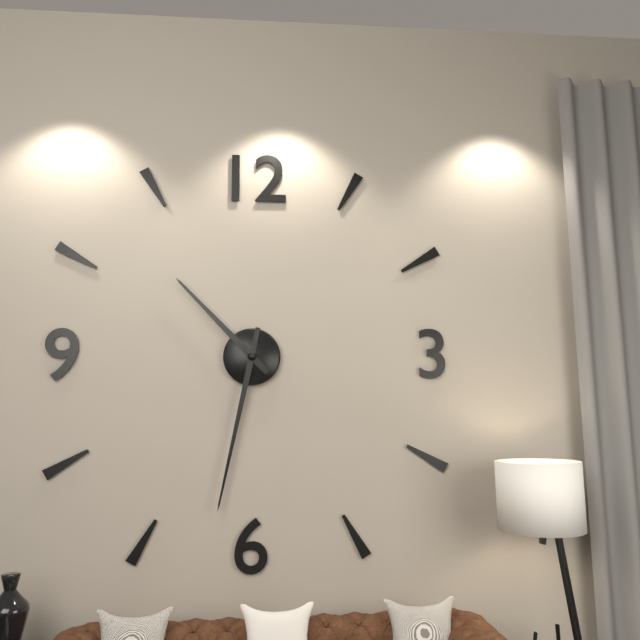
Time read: 10:32
